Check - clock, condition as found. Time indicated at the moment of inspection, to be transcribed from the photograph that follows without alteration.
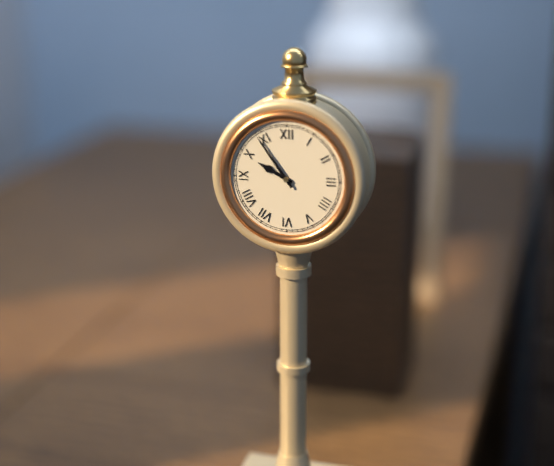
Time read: 9:54
